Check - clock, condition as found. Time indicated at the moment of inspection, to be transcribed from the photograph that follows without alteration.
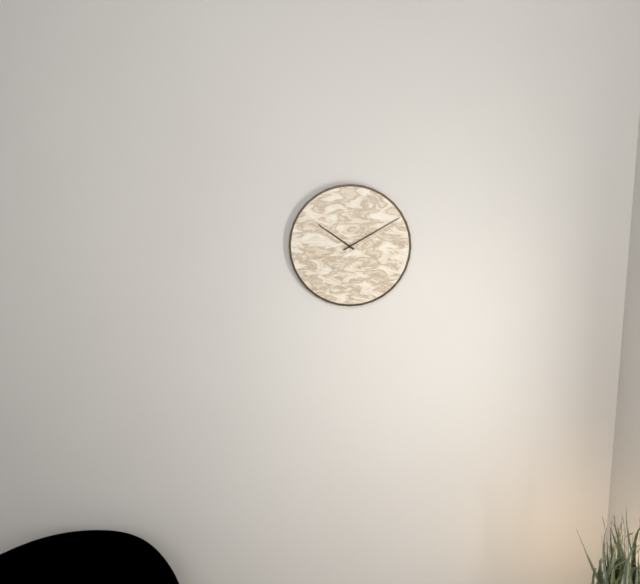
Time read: 10:10
